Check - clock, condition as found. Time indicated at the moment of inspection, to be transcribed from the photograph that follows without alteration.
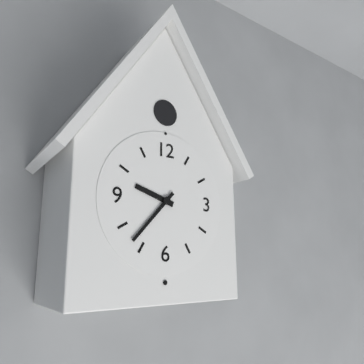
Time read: 9:37
